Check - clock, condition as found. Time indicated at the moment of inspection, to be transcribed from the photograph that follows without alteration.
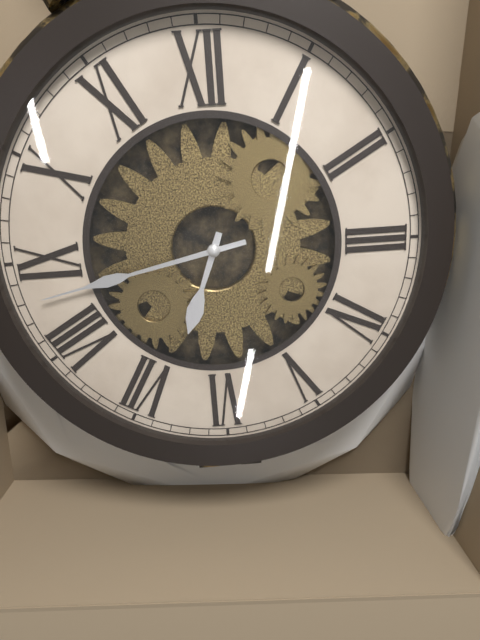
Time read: 6:43
